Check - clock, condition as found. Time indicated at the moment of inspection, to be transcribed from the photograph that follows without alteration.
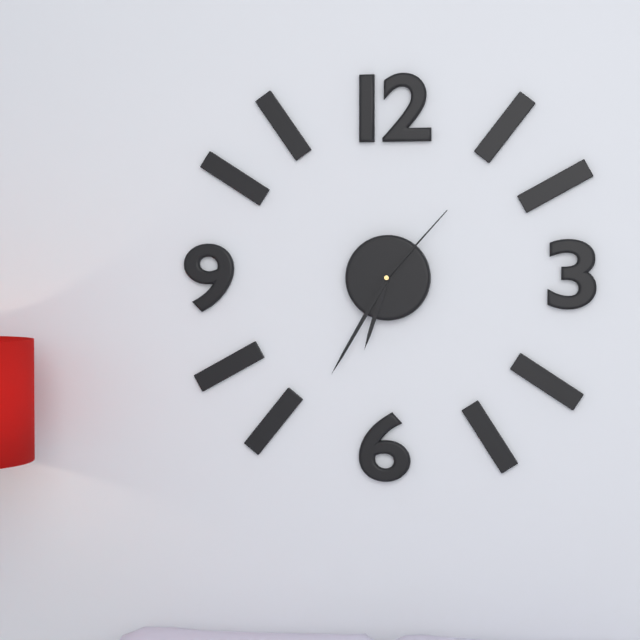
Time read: 6:35:07
